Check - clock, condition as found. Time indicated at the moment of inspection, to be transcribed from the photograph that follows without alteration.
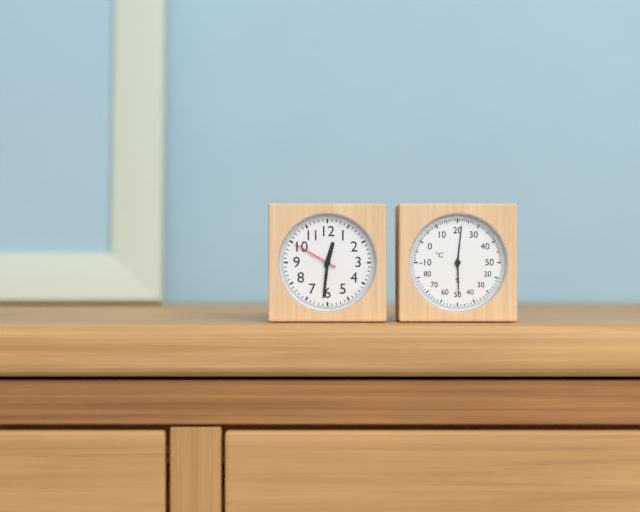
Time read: 12:31
